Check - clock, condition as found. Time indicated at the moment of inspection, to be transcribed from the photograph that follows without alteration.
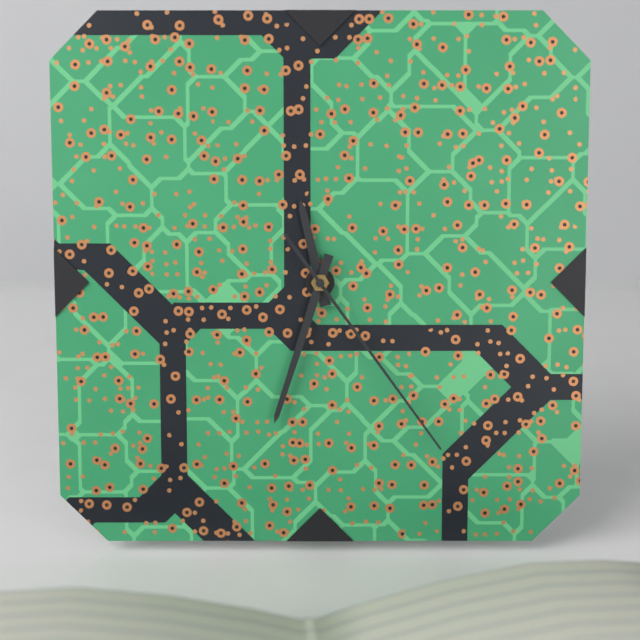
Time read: 11:33:24
